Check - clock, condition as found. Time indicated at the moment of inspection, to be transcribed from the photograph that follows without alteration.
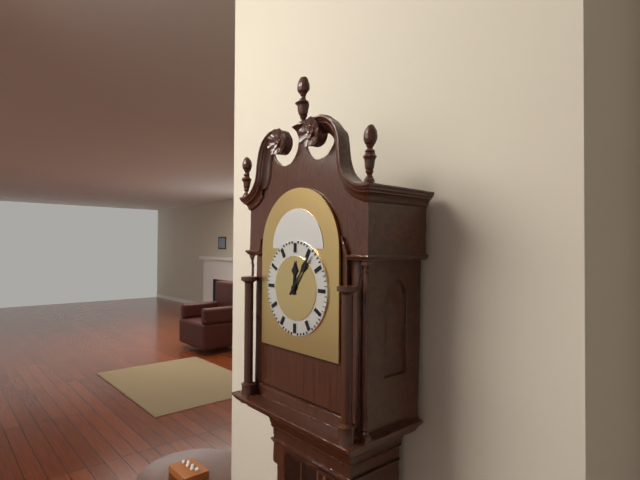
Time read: 12:06
